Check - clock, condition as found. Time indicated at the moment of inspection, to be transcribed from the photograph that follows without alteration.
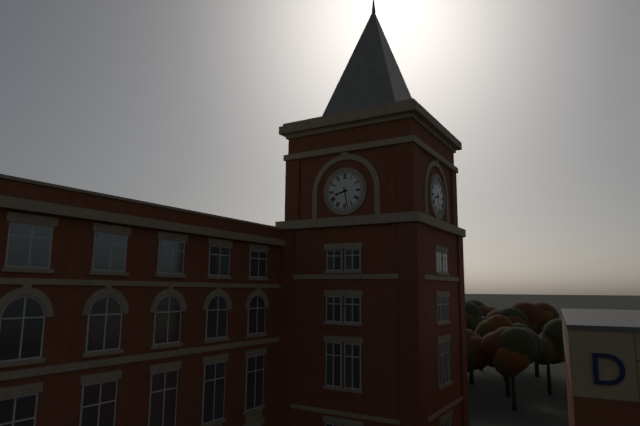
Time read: 8:28
